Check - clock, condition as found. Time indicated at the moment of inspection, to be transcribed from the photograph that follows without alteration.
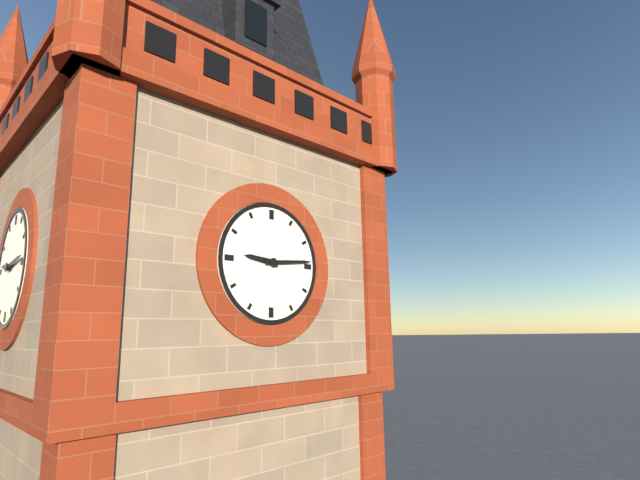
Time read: 9:14
